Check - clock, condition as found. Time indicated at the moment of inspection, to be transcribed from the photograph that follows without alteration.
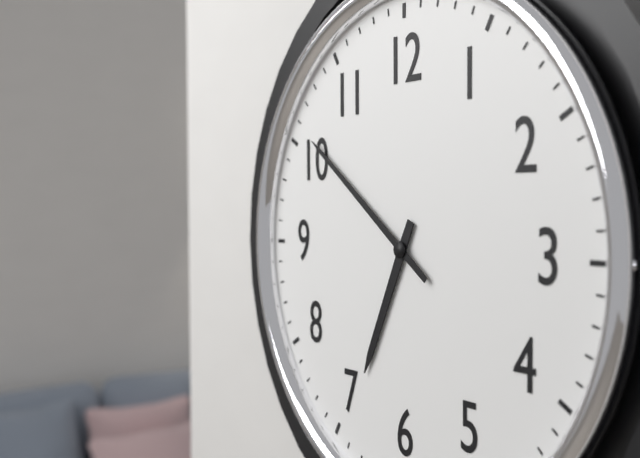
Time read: 6:51
